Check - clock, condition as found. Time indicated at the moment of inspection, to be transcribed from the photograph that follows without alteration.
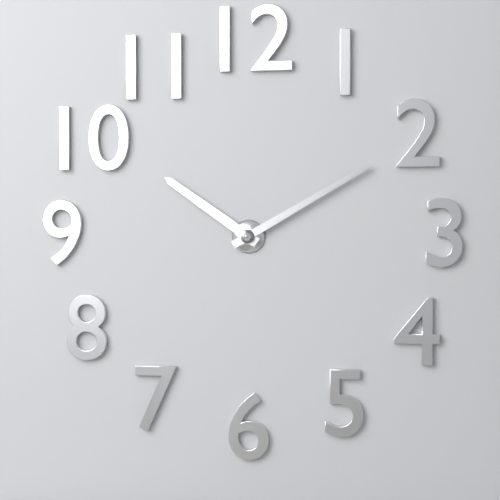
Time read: 10:10
